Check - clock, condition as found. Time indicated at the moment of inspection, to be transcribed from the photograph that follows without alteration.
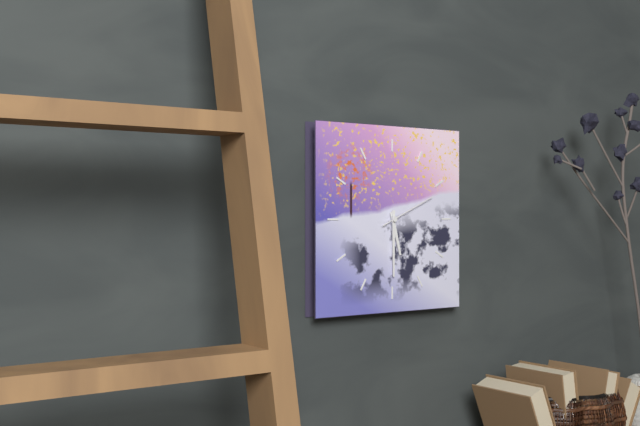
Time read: 5:30:11
